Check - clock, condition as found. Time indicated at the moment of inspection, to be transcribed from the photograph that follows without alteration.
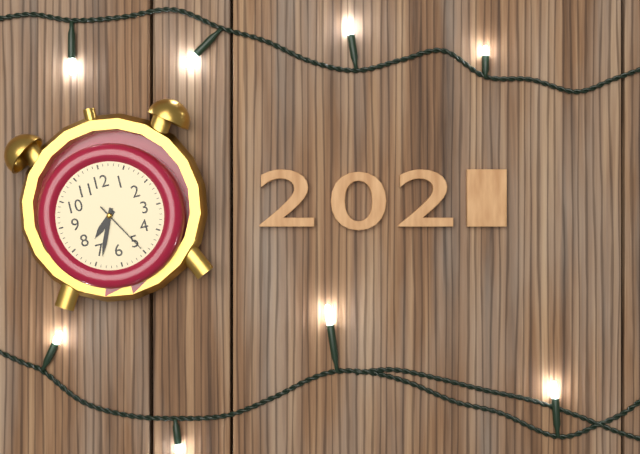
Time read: 7:34:25
